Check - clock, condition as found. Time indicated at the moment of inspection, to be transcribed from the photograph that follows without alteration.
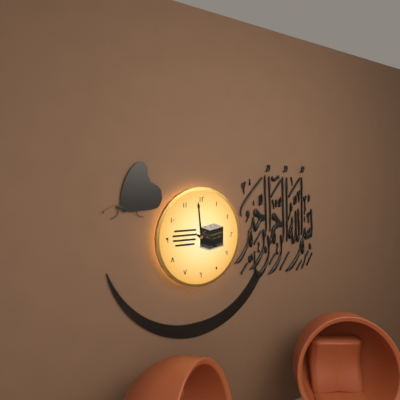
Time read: 3:59
